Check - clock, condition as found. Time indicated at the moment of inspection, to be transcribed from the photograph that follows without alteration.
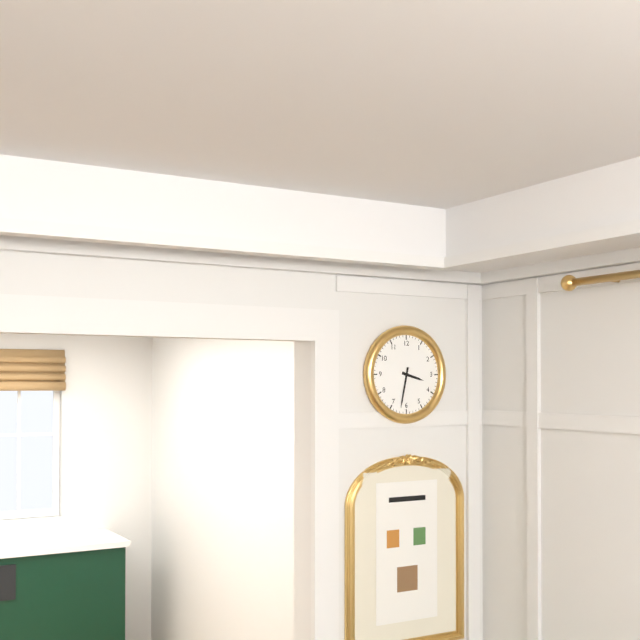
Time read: 3:32
